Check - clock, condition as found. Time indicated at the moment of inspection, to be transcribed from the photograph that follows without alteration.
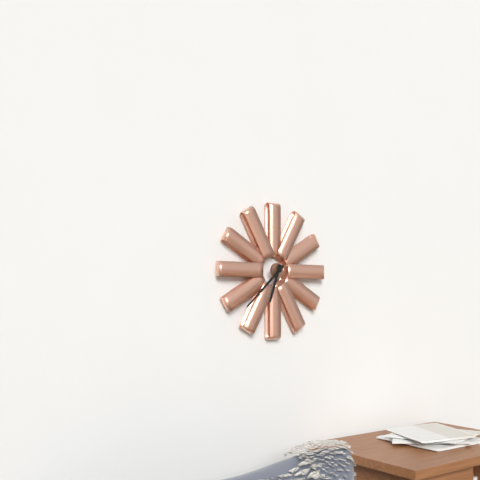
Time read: 6:38
